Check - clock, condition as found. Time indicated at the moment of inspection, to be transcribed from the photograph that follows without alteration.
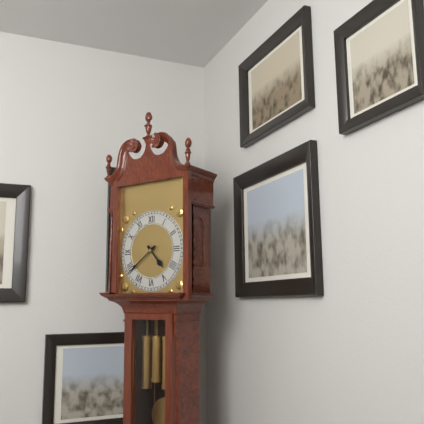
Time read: 4:39
